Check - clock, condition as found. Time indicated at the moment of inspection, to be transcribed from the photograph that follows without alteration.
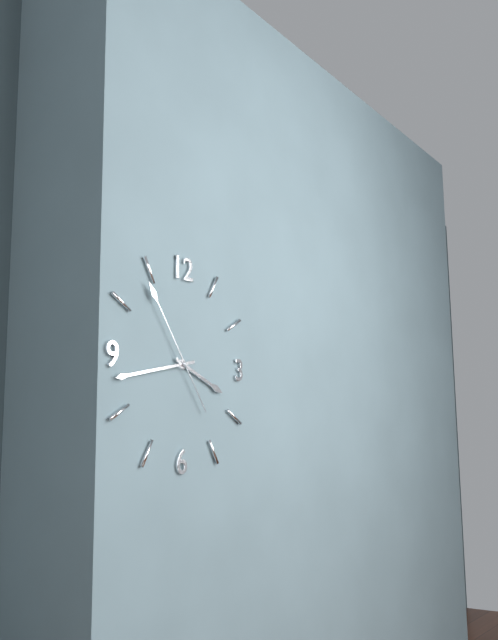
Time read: 3:43:54
